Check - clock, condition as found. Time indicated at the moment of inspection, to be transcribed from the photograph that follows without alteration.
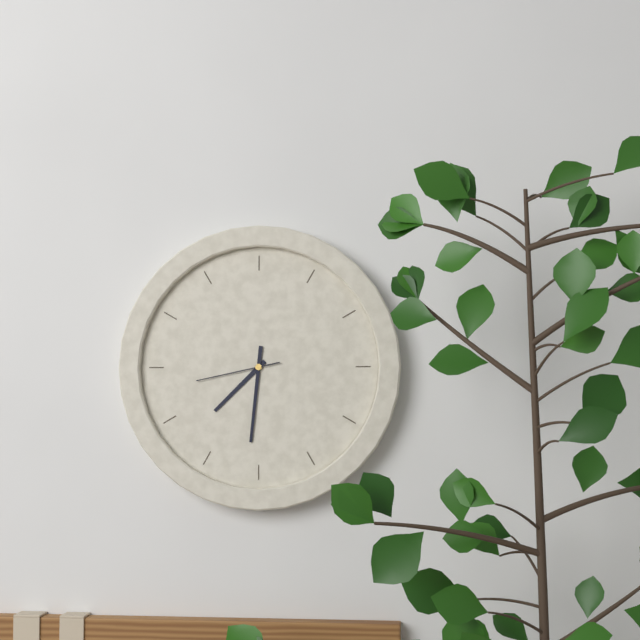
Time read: 7:31:43
